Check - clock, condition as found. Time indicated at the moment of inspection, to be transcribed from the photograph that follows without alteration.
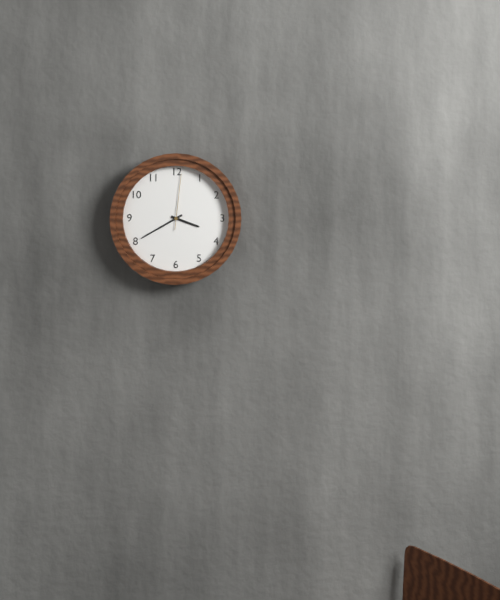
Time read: 3:40:01
